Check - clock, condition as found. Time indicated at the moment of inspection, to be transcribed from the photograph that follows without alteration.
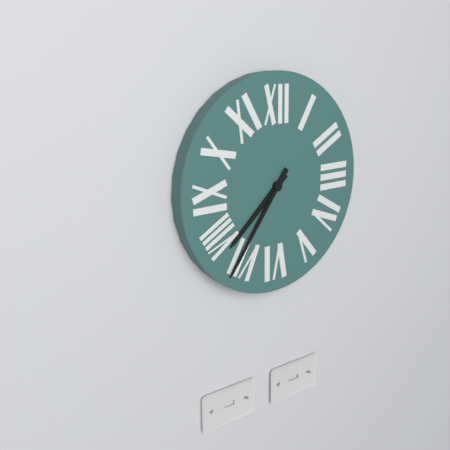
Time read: 7:36
